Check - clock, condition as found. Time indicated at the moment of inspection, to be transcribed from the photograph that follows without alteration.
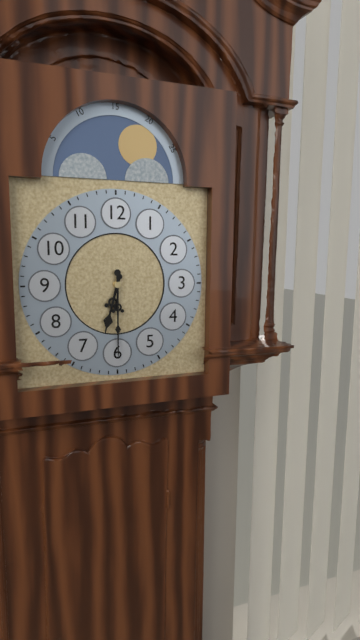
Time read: 6:30
